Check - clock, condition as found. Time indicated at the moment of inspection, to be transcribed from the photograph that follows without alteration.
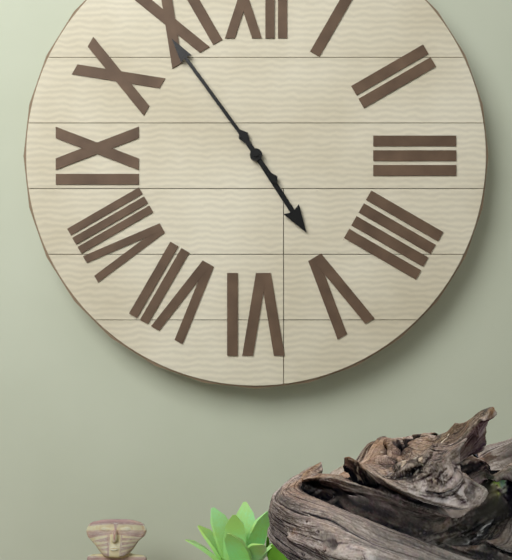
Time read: 4:54
